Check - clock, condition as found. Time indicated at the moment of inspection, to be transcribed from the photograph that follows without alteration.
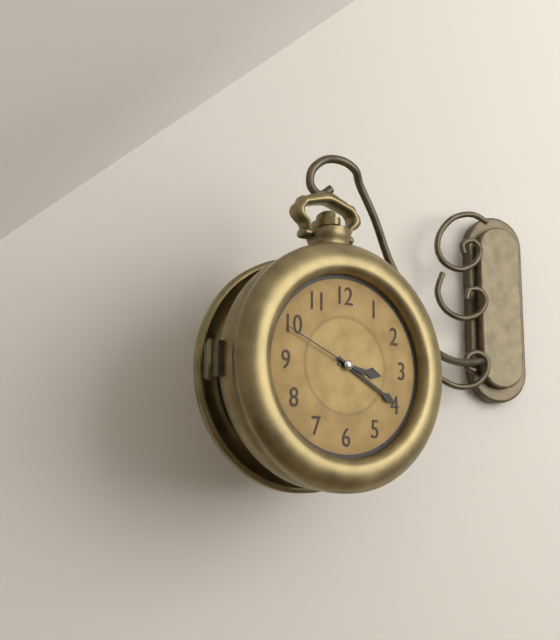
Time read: 3:20:49
